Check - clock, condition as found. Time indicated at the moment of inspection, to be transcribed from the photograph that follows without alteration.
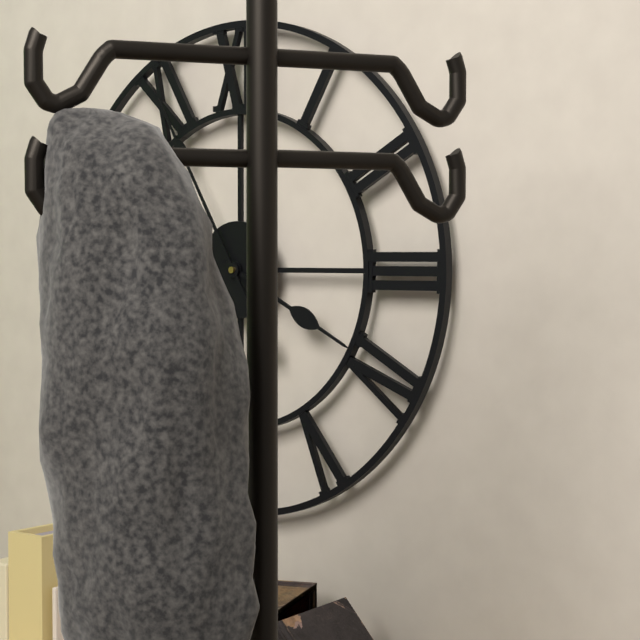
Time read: 3:55
